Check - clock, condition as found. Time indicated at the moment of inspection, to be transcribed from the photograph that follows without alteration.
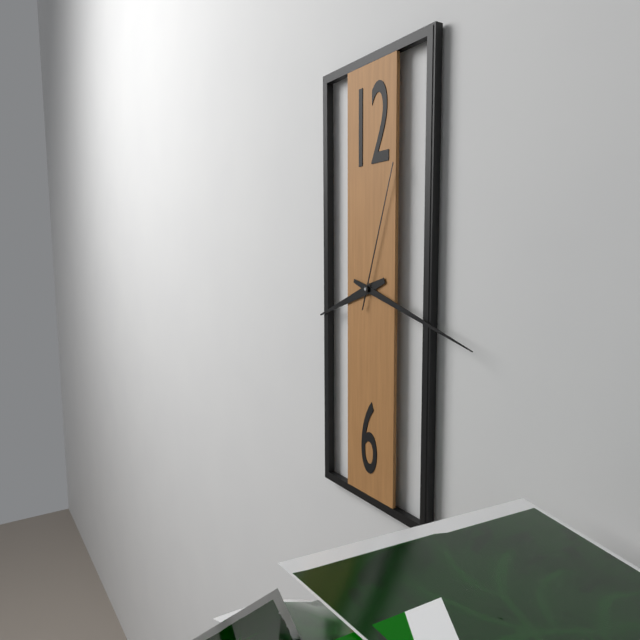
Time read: 8:18:03
